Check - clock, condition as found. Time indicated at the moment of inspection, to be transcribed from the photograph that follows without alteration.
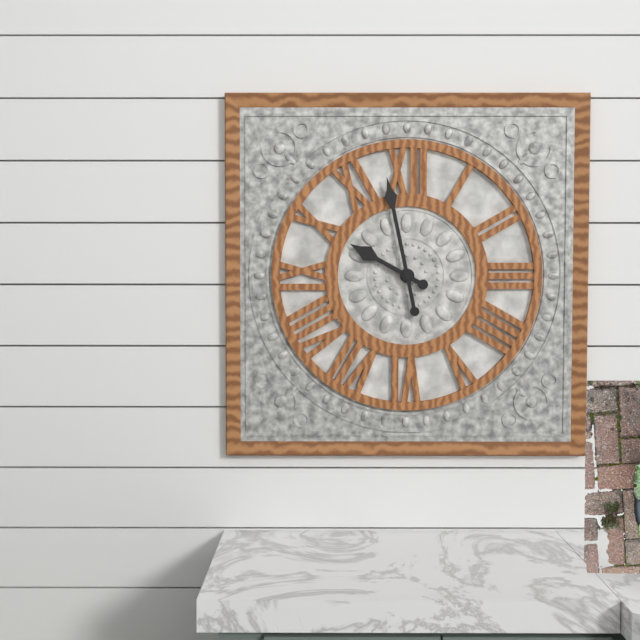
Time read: 9:58
